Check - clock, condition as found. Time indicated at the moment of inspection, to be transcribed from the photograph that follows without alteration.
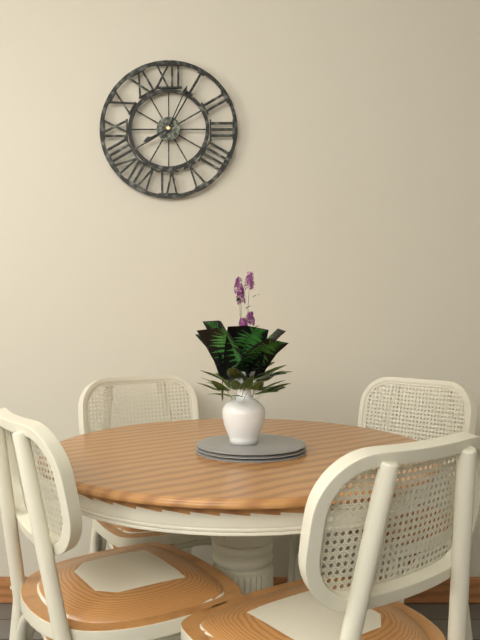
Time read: 8:04
